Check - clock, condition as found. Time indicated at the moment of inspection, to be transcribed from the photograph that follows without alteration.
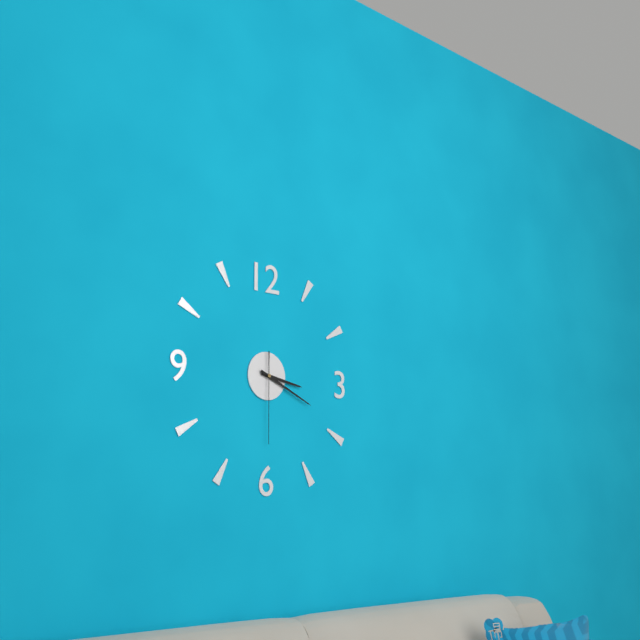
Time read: 3:19:30
